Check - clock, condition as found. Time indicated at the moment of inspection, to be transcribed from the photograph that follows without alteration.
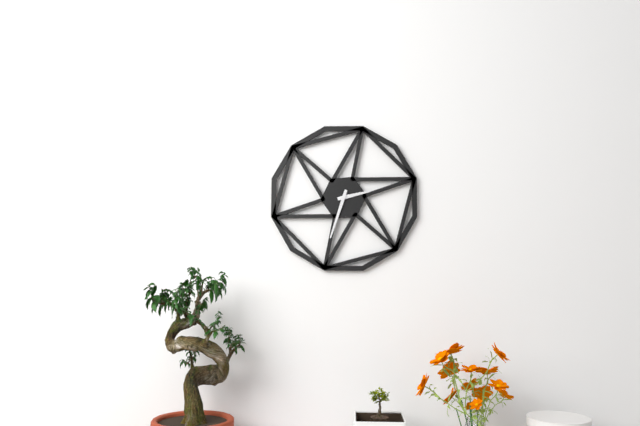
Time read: 2:33
